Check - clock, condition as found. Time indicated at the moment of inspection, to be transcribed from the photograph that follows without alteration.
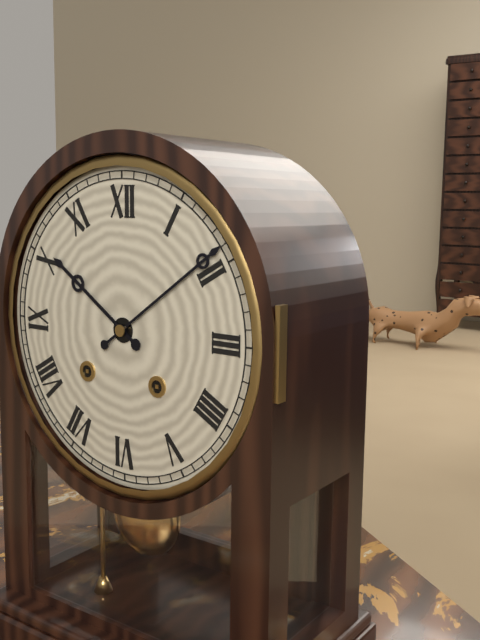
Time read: 10:09
